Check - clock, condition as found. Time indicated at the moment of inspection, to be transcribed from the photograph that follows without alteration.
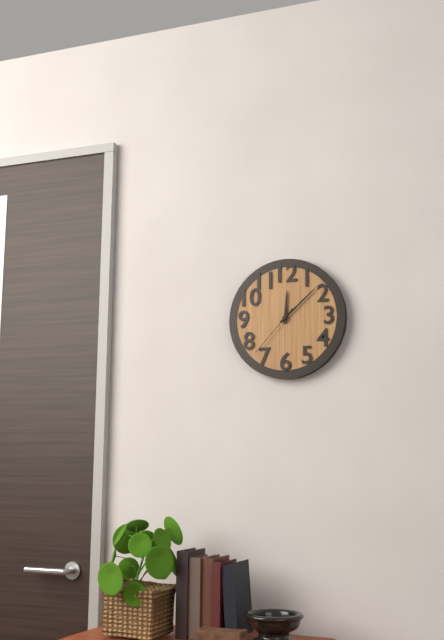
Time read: 12:08:37
